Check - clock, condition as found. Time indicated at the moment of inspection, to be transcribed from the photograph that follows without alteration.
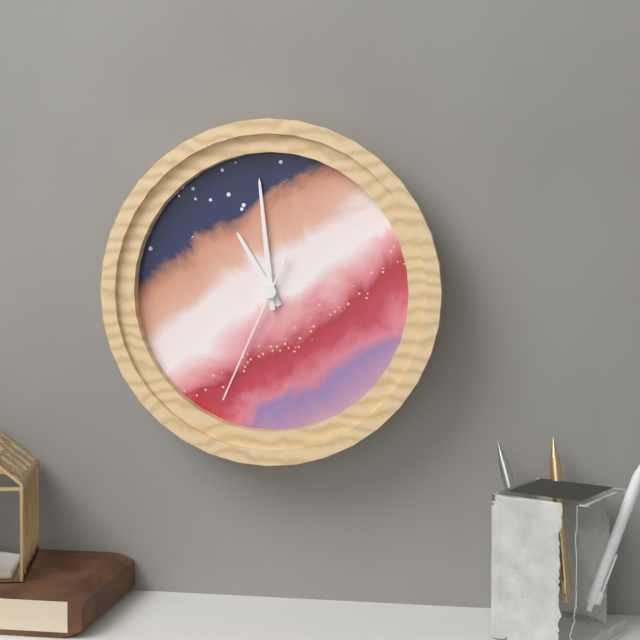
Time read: 10:59:34
